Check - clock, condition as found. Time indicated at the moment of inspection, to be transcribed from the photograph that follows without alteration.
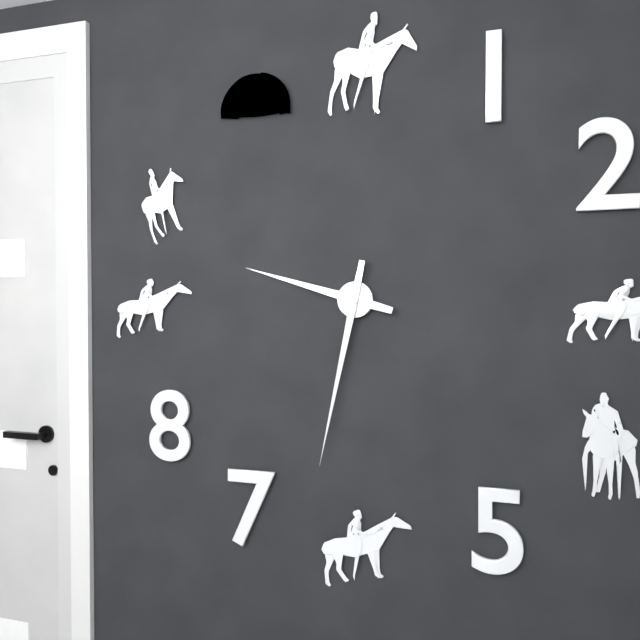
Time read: 9:32
